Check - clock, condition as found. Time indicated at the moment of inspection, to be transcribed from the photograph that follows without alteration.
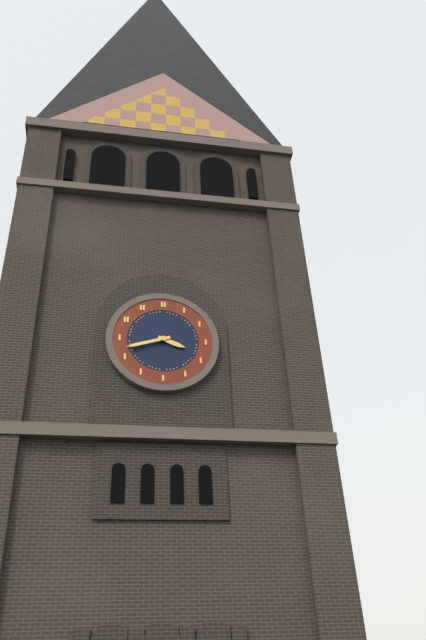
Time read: 3:42
